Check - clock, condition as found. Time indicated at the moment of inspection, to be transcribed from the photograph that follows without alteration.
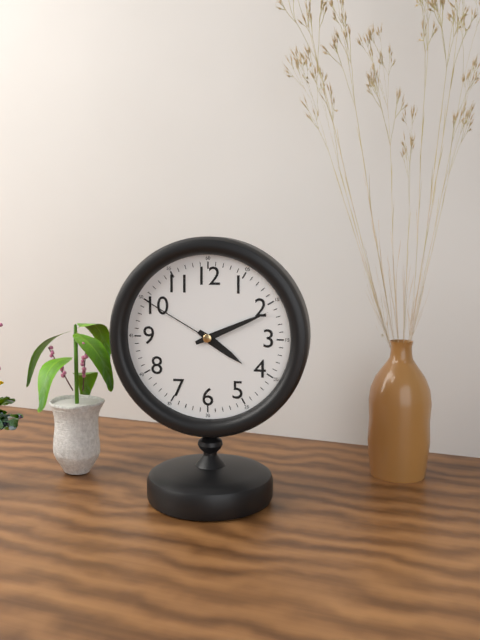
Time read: 4:11:50
